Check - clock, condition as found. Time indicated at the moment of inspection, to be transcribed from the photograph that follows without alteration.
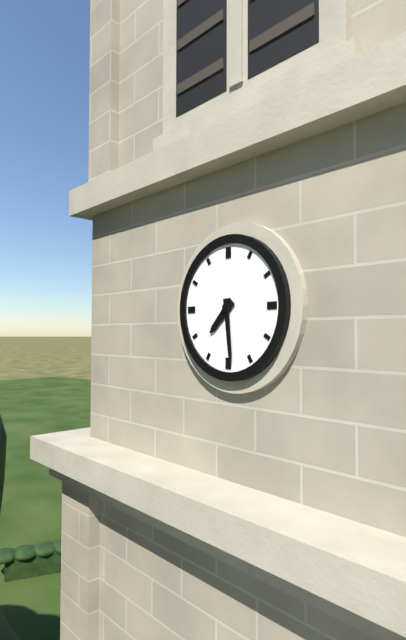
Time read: 7:29
